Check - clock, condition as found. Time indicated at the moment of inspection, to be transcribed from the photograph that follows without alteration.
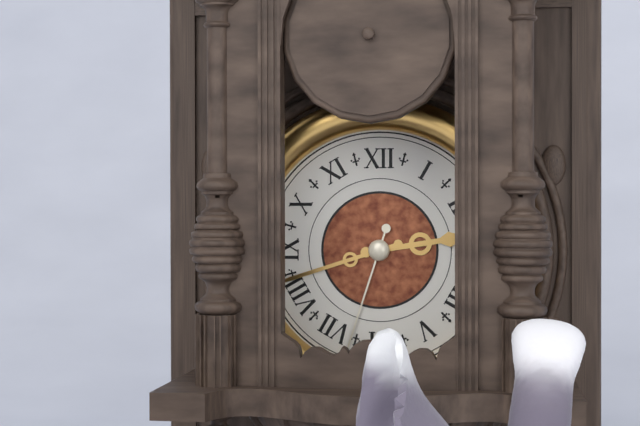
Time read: 2:42:33
